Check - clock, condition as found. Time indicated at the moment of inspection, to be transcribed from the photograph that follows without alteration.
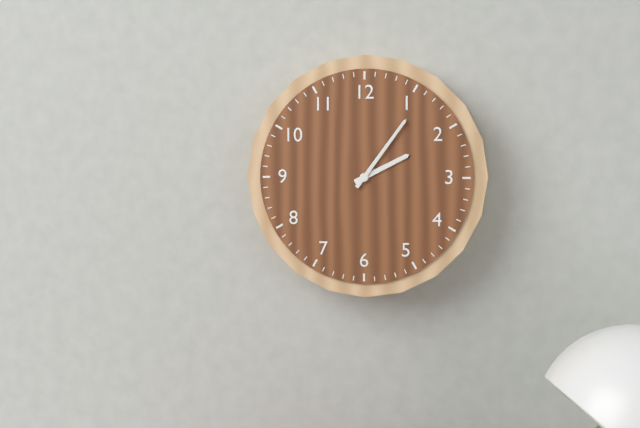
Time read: 2:06
